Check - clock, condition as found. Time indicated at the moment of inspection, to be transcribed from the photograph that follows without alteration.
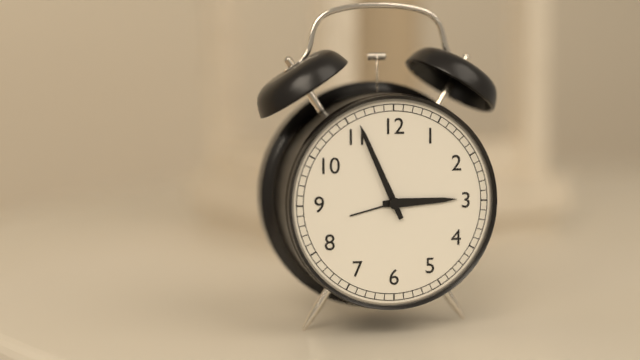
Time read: 2:56
